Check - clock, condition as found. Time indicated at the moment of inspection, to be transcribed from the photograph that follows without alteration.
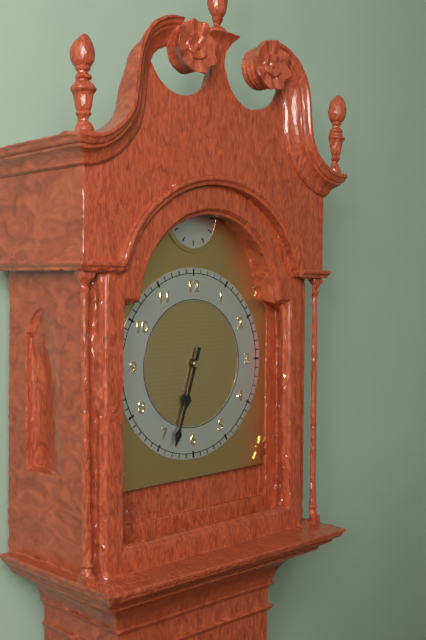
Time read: 6:33
